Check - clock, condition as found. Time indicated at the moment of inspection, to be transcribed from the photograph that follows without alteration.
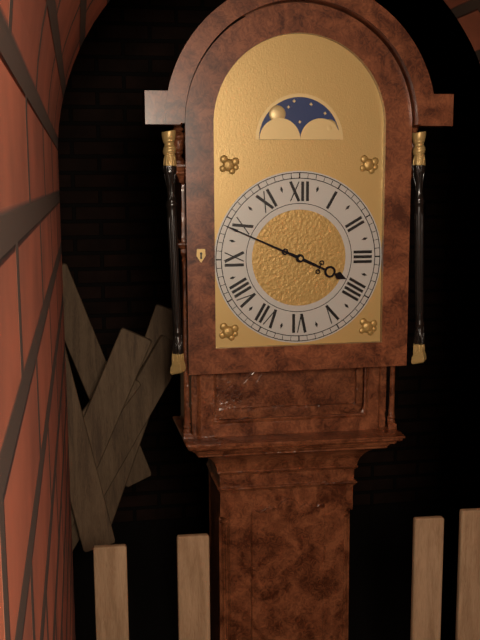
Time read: 3:49
